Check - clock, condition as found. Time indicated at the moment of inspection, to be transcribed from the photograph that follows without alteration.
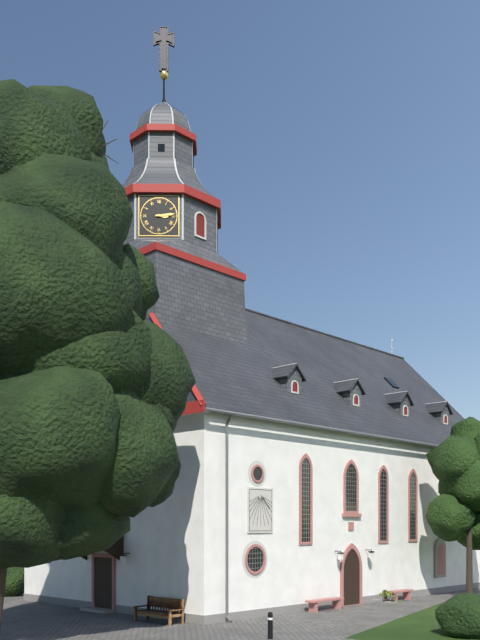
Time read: 3:14
